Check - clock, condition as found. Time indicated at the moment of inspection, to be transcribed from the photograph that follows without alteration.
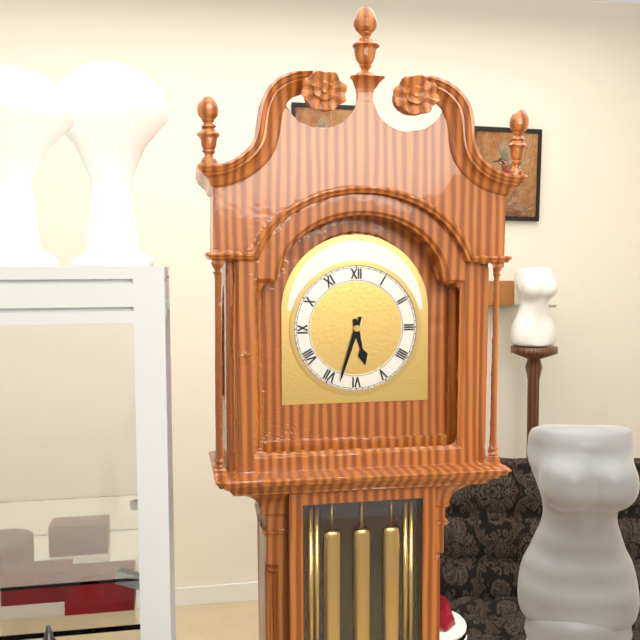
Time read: 5:33
